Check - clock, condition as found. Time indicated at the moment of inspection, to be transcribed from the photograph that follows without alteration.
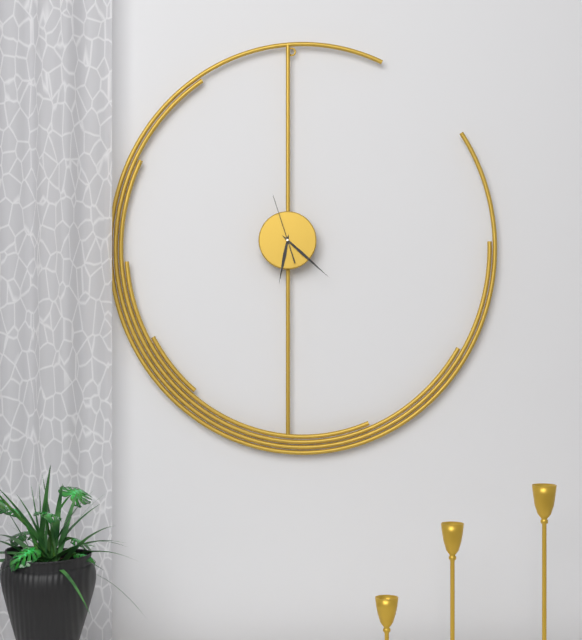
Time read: 6:22:57
